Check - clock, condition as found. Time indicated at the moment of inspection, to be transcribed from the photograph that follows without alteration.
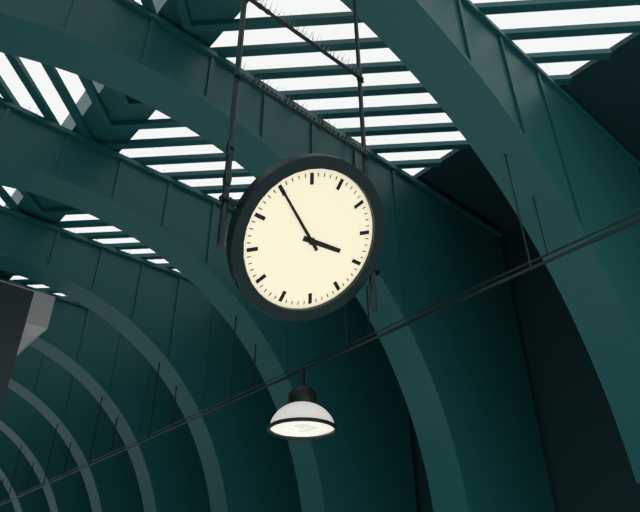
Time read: 2:50
